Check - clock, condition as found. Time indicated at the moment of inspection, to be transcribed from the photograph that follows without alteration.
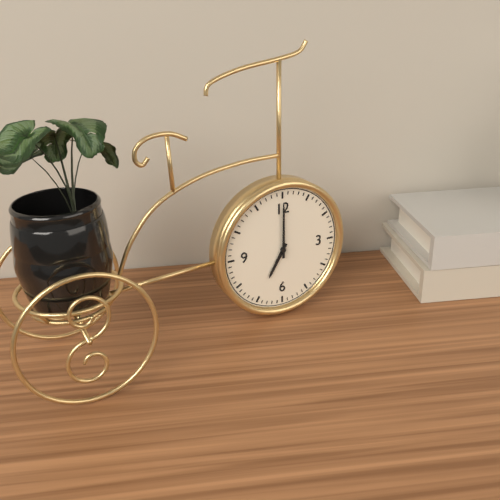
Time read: 7:00
